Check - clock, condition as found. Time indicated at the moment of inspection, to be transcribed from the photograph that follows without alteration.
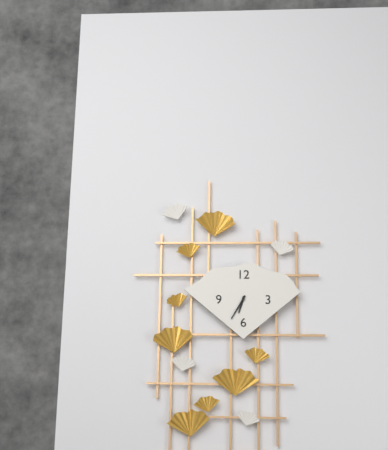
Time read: 6:35
